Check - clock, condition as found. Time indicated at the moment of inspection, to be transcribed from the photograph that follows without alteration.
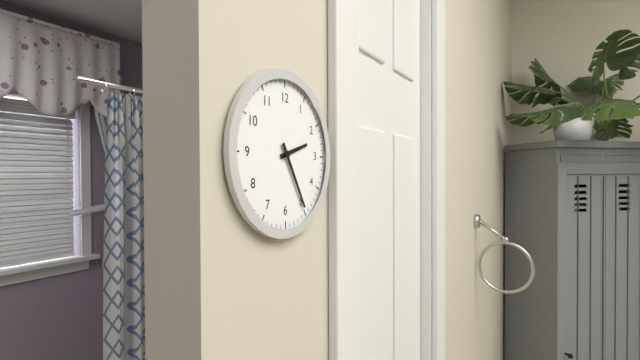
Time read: 2:25
